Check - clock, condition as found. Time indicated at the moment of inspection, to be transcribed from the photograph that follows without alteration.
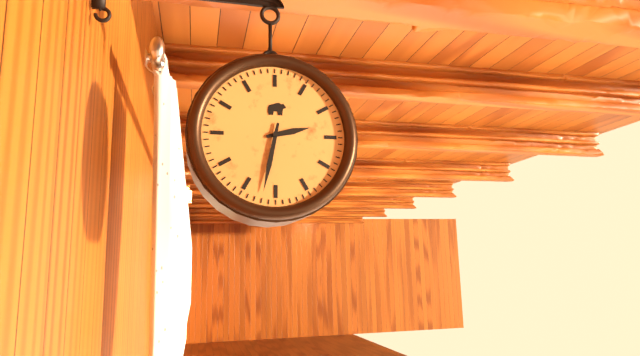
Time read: 2:32
